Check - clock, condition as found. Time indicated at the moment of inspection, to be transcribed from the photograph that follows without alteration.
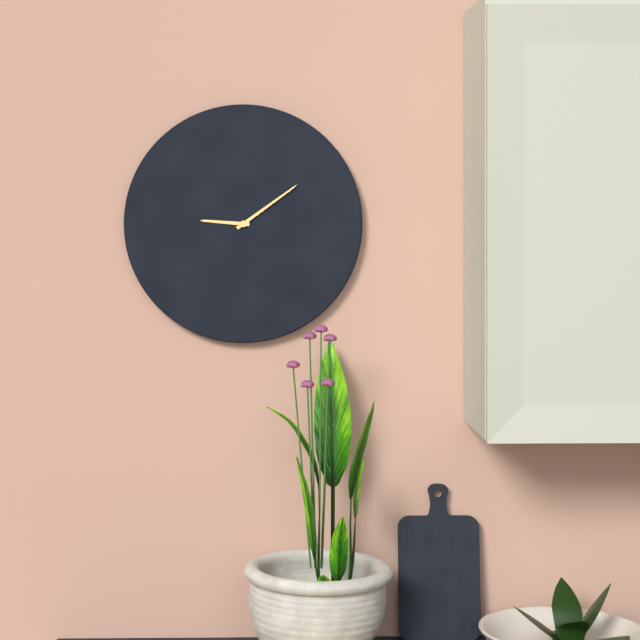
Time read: 9:09
